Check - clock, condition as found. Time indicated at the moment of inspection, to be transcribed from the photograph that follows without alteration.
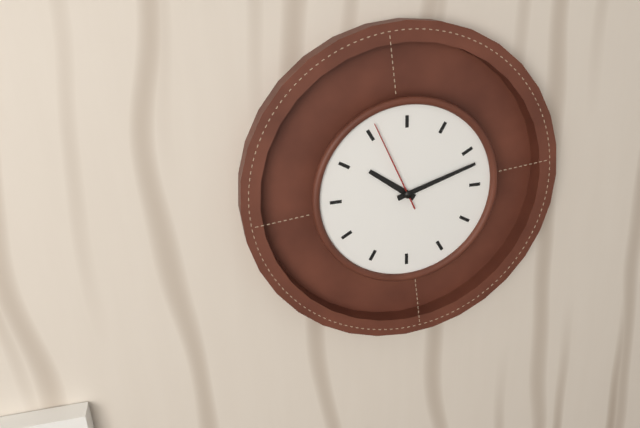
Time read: 10:12:56
